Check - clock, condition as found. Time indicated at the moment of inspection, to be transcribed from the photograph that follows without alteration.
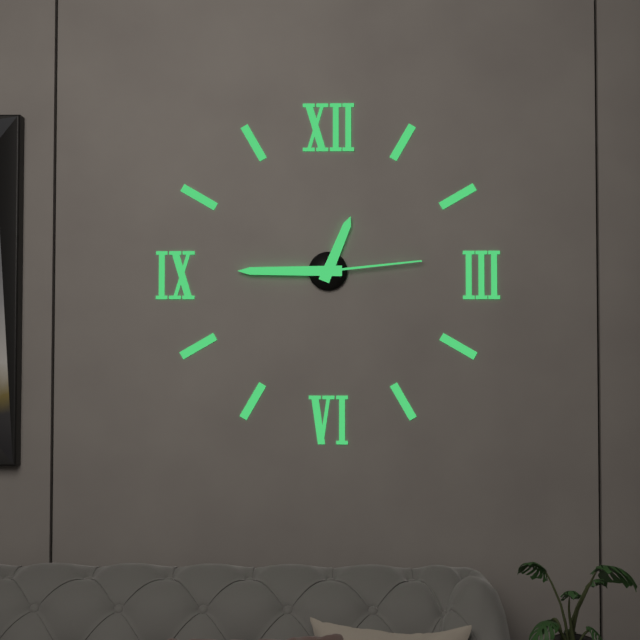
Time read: 12:45:14
